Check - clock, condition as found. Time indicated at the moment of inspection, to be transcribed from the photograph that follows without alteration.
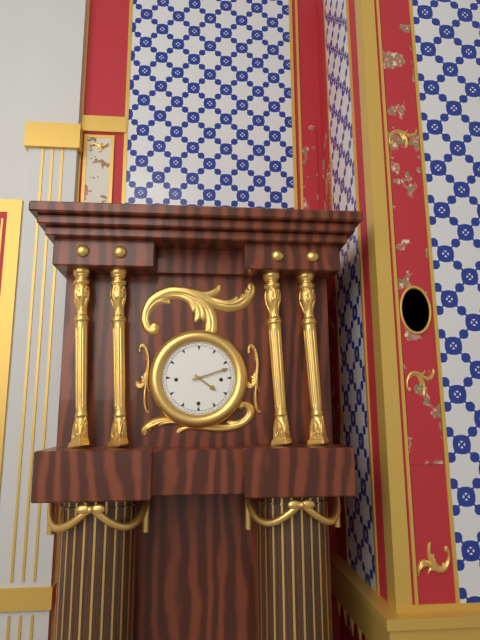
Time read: 4:12
